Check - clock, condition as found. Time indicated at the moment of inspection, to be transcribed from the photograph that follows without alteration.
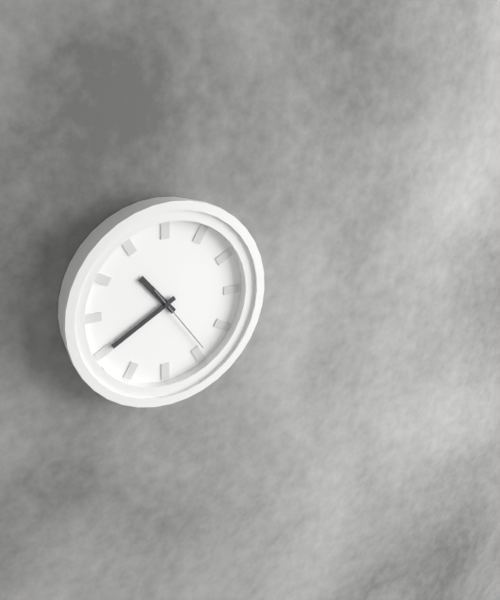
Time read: 10:40:24
